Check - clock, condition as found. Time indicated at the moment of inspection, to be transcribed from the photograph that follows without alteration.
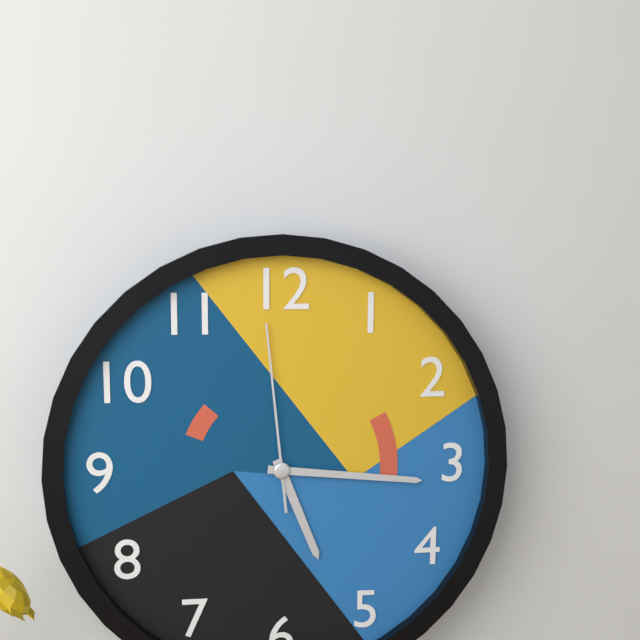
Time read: 5:16:59
